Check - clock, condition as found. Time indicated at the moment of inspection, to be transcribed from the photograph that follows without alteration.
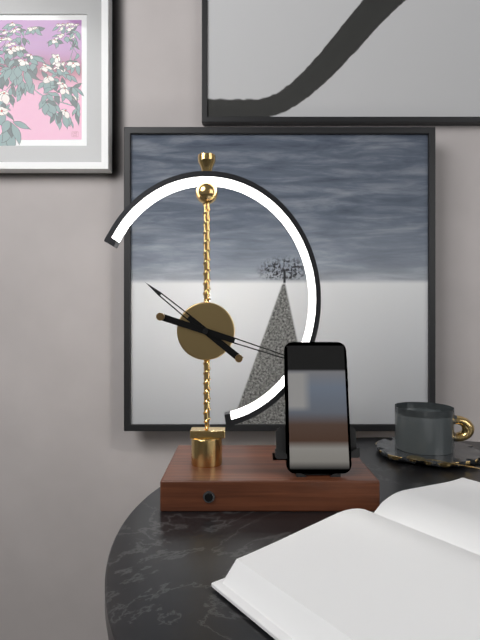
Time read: 10:18
